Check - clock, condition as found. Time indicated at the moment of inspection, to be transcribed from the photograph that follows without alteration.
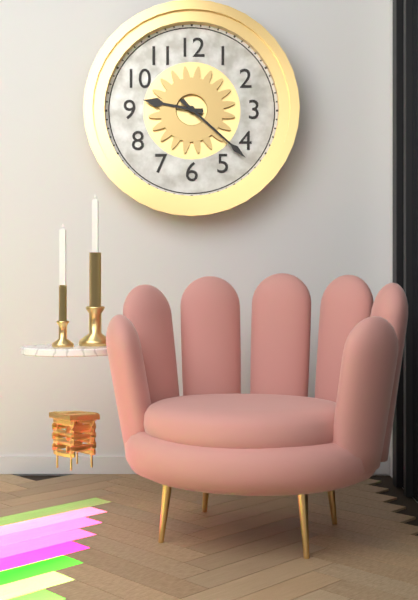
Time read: 9:22
